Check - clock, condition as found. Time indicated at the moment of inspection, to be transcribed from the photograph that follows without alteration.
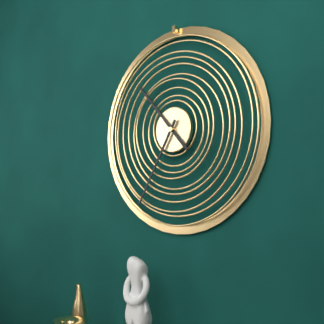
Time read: 10:35
